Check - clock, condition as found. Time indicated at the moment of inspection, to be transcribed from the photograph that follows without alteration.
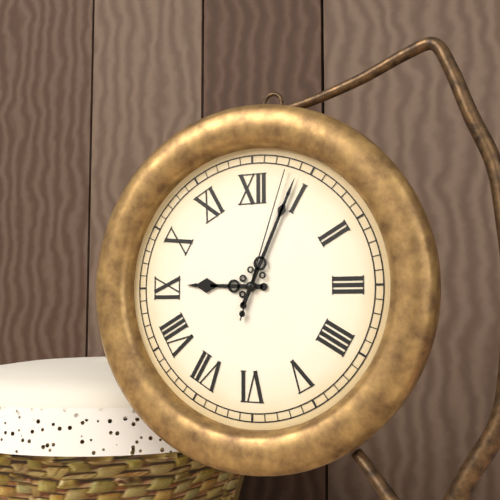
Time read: 9:04:03
